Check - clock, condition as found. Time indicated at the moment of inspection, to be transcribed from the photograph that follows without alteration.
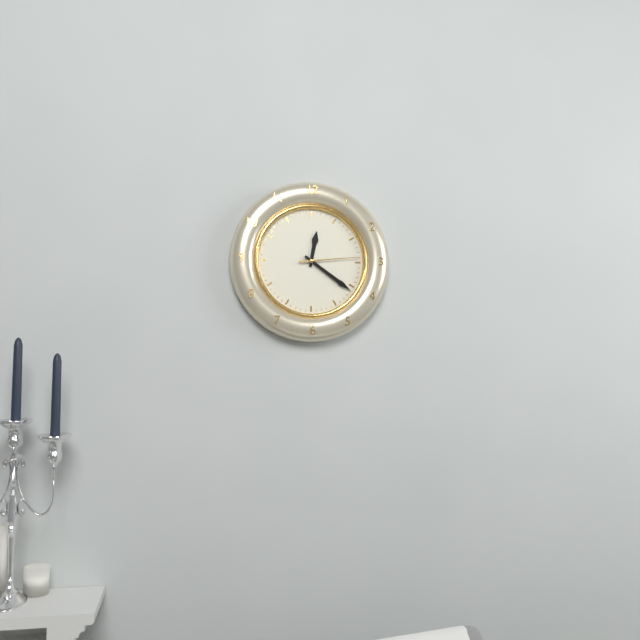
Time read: 12:21:14
